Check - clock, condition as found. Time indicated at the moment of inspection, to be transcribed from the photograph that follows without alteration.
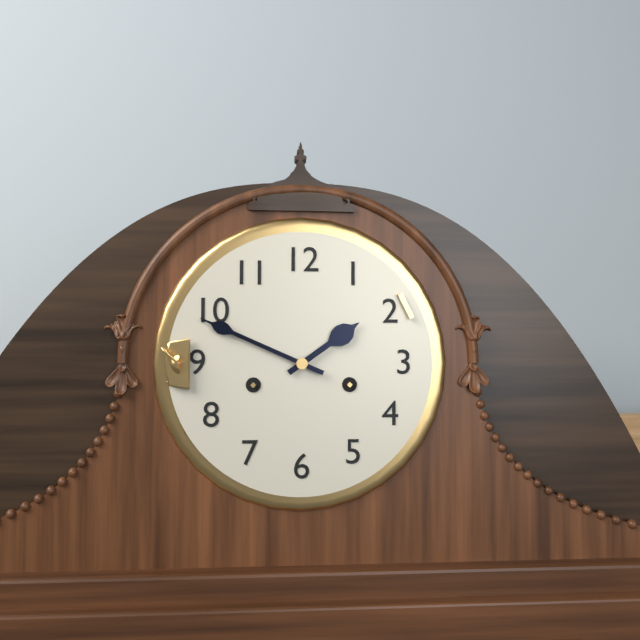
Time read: 1:49
